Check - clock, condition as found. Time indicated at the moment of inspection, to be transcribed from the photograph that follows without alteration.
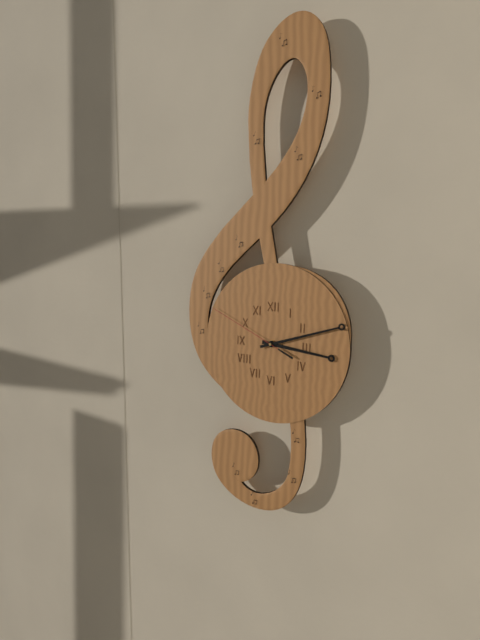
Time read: 3:12:49
